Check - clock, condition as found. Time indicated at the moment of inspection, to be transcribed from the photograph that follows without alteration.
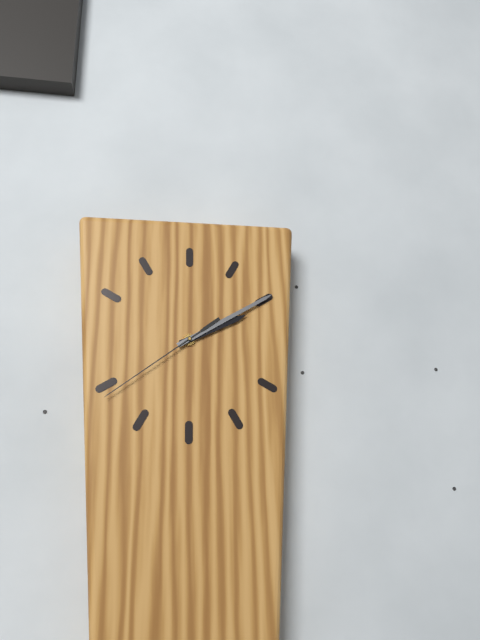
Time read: 2:10:39
